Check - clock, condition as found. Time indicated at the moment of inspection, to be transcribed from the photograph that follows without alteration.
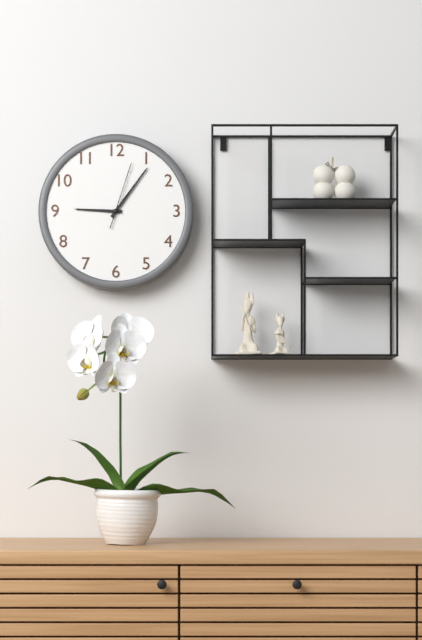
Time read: 9:06:03
